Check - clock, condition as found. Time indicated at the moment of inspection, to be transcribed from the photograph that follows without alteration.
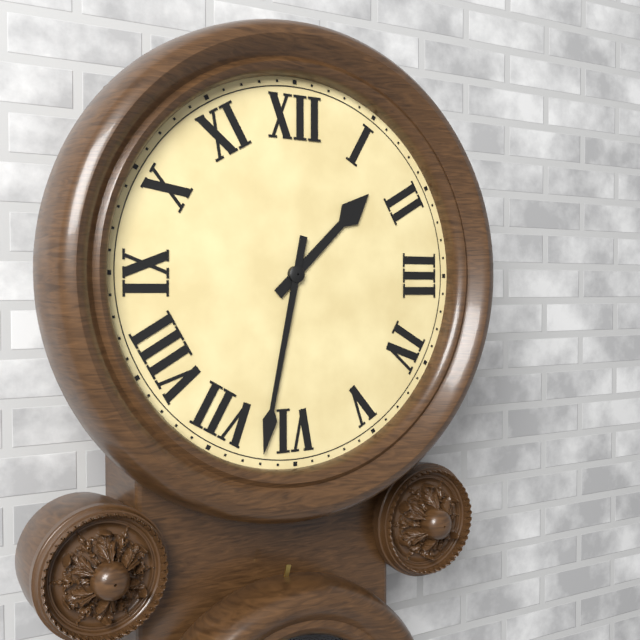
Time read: 1:32
